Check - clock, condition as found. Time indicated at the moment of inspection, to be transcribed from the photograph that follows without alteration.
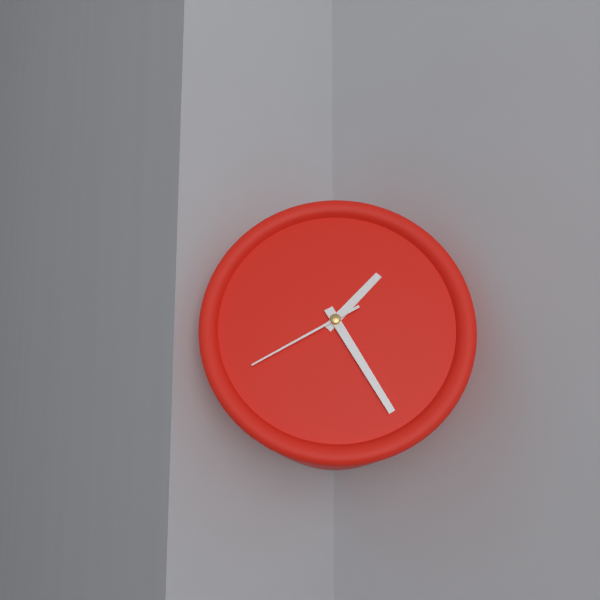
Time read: 1:25:40
